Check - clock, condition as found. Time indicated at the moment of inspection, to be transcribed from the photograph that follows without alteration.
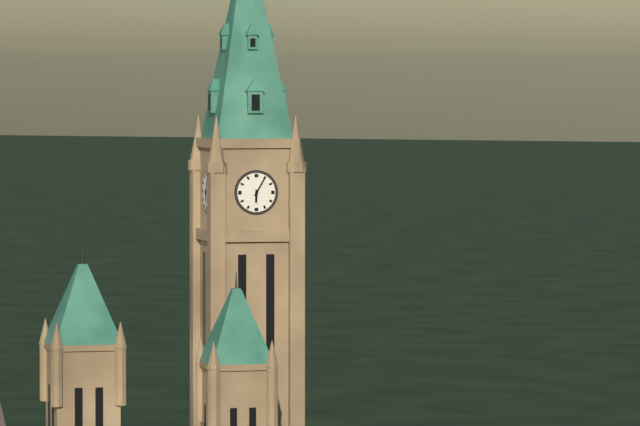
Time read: 6:05
